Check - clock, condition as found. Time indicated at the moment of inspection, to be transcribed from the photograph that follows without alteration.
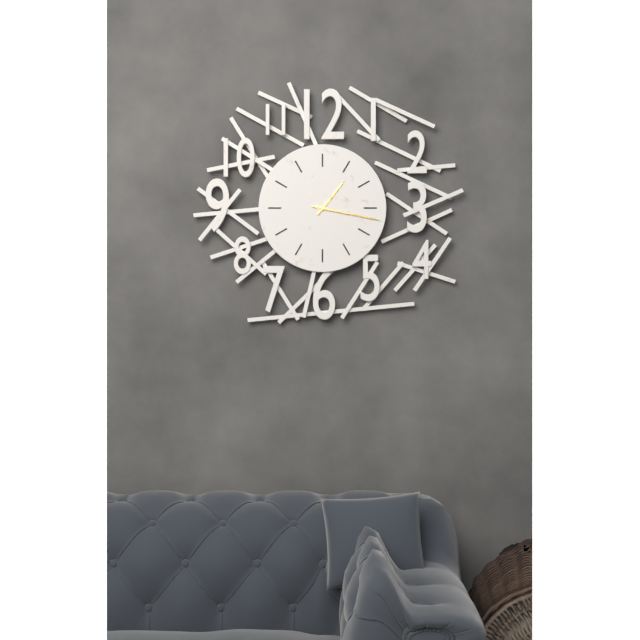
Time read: 1:17
